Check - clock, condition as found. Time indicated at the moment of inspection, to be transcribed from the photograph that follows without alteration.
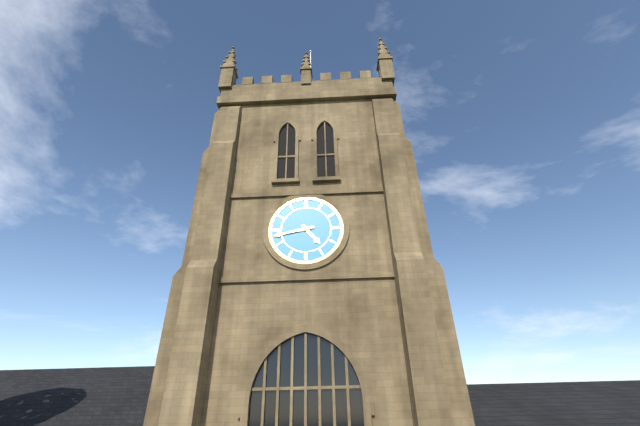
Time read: 4:43
